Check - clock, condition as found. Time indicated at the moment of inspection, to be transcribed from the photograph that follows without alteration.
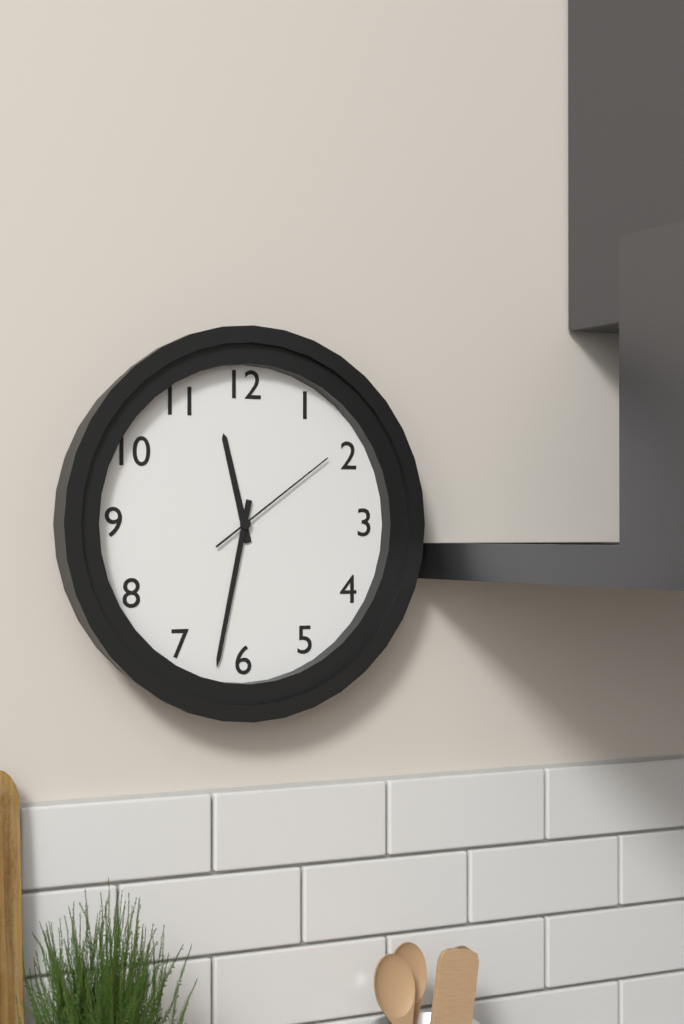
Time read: 11:32:09
